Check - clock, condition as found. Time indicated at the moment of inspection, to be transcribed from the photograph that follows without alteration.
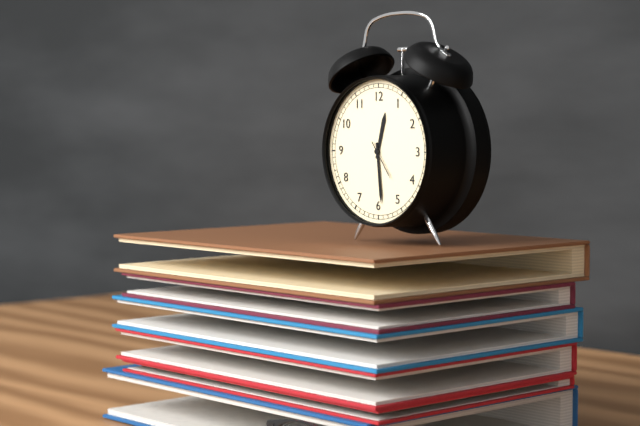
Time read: 12:29
